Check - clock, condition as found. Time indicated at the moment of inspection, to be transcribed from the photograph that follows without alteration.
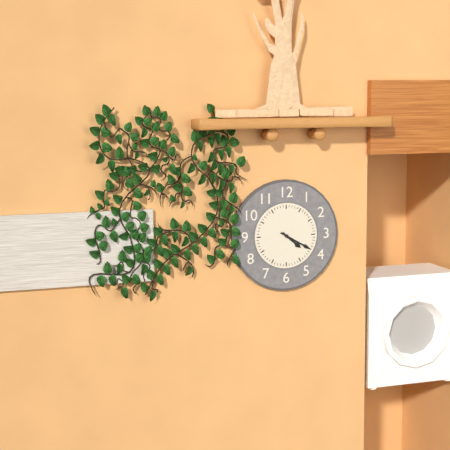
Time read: 4:20
